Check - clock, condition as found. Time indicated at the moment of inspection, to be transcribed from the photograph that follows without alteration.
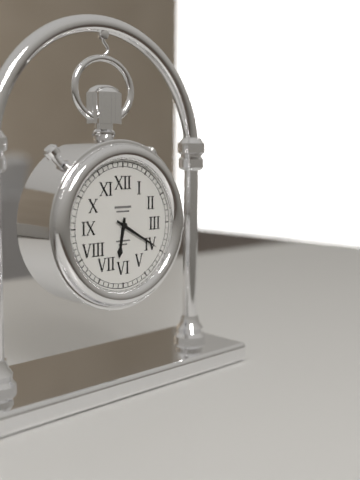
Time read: 6:20
